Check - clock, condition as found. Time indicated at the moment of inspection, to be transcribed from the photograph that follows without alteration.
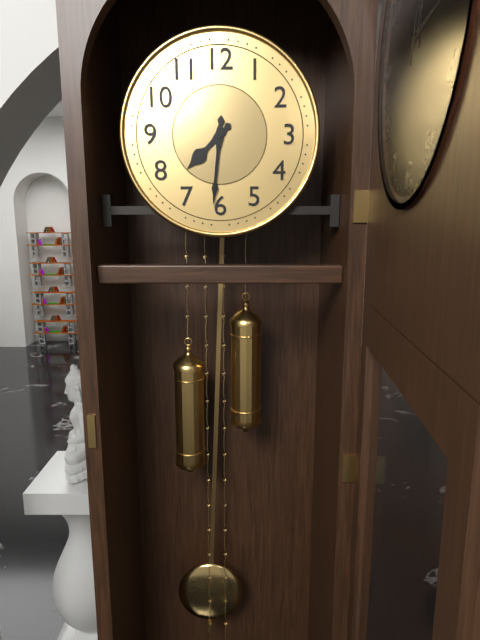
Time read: 7:31
